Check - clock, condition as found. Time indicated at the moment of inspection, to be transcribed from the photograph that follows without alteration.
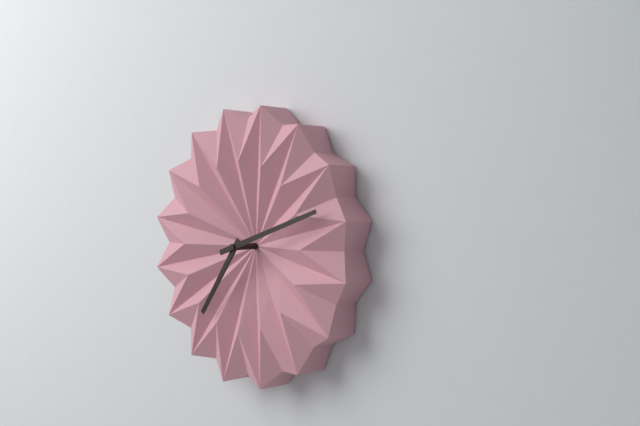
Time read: 7:12
